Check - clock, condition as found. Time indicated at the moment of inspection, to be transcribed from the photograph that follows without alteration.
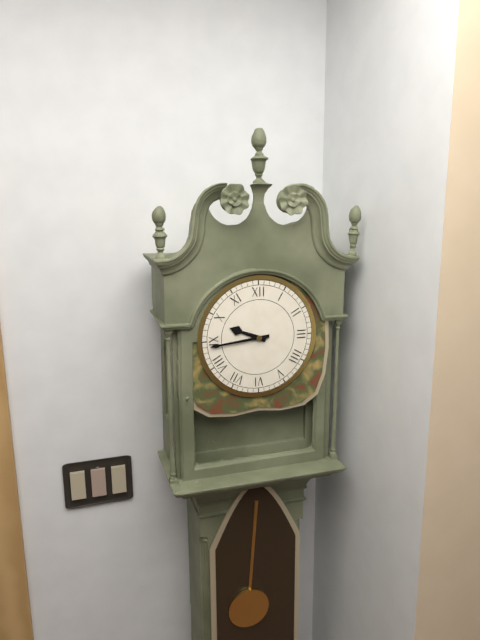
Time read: 9:44
